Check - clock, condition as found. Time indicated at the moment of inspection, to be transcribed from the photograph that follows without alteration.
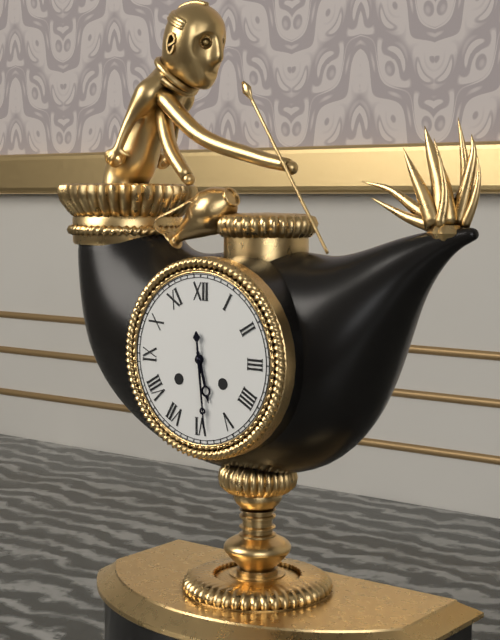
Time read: 5:29
